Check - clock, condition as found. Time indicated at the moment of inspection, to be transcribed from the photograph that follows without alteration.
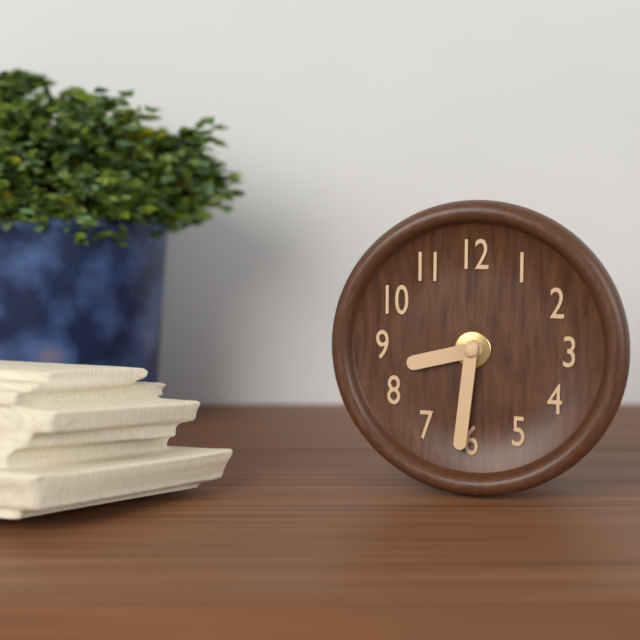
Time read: 8:31
